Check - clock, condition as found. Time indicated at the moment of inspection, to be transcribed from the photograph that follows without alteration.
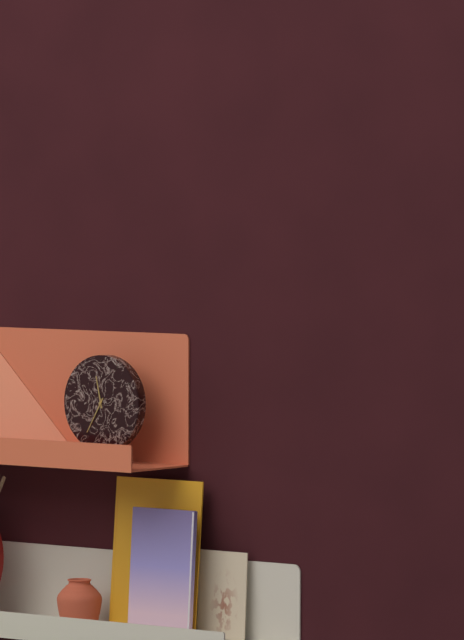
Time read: 11:35
